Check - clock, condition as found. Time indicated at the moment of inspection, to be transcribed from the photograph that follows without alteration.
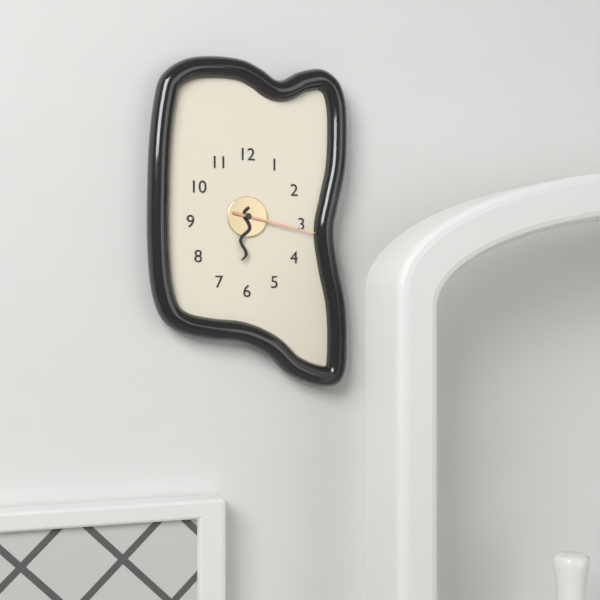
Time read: 6:17
